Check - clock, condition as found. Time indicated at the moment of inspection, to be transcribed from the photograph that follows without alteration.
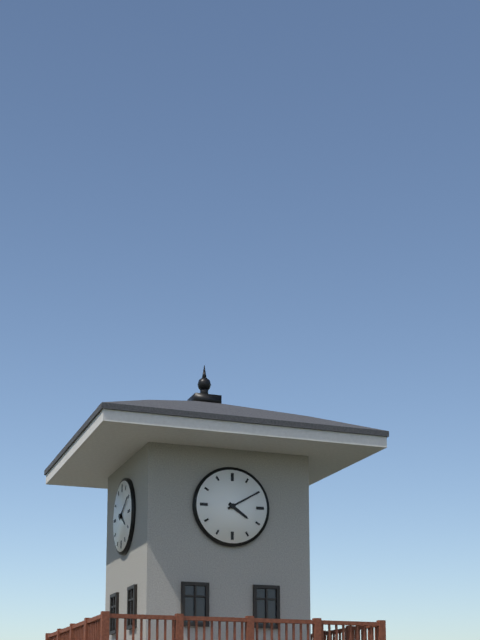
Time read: 4:10
